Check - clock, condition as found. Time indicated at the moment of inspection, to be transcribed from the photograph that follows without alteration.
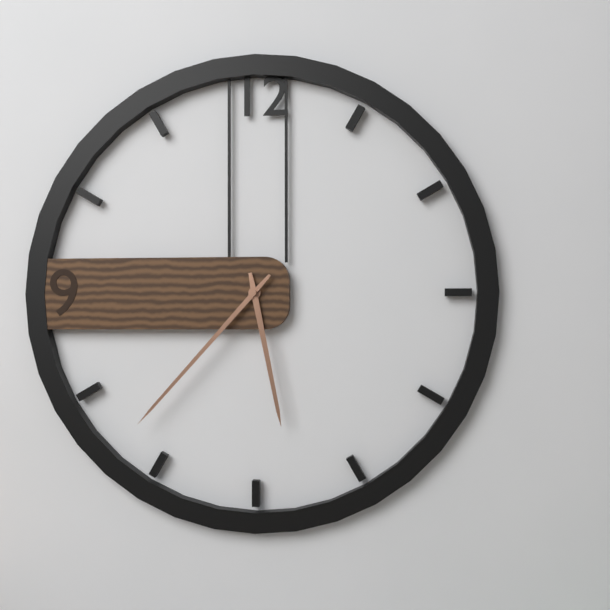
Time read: 5:37
